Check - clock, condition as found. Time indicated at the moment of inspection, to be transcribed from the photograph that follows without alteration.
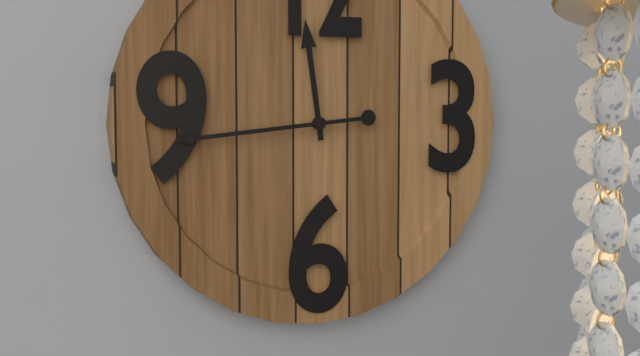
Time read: 11:44
